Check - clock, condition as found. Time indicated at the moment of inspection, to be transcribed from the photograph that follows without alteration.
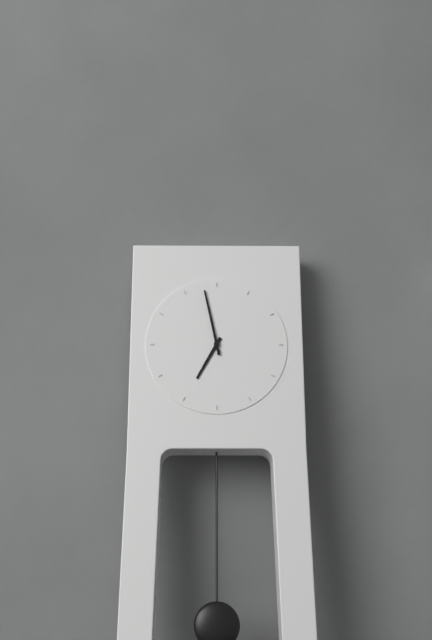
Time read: 6:58
